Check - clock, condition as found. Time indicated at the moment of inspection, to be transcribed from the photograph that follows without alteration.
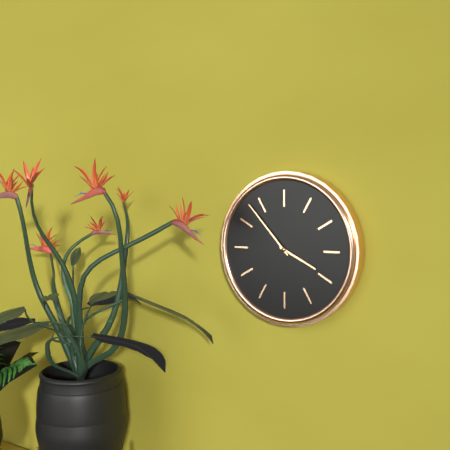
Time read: 3:53
